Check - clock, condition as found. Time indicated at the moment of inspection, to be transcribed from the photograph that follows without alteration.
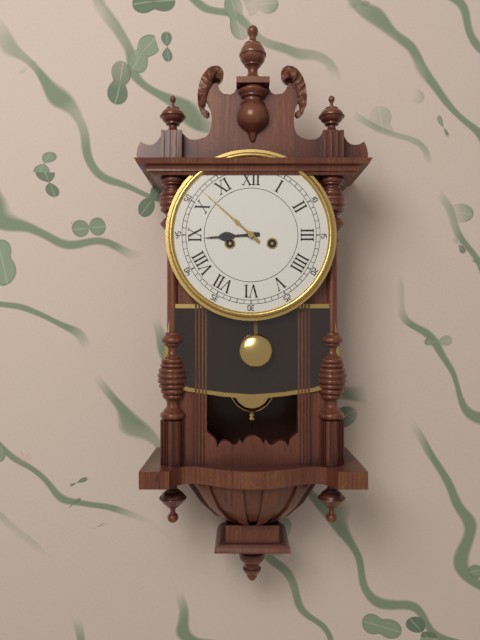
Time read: 8:52
